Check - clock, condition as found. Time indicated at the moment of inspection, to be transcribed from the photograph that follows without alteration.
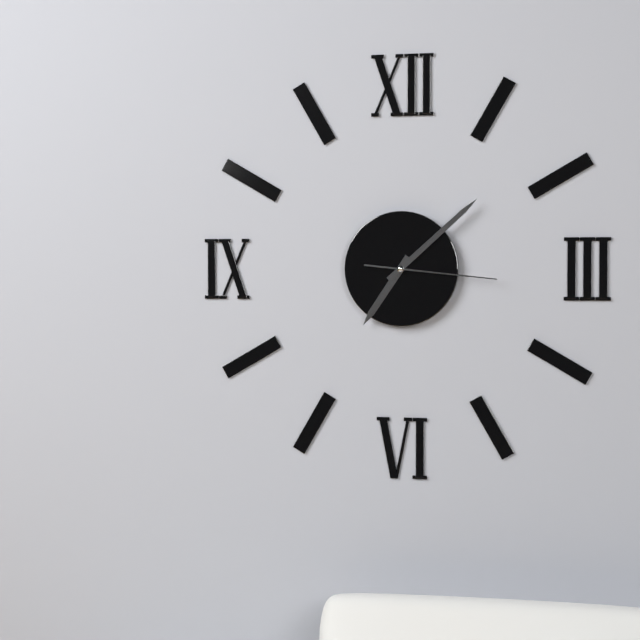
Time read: 7:08:16
